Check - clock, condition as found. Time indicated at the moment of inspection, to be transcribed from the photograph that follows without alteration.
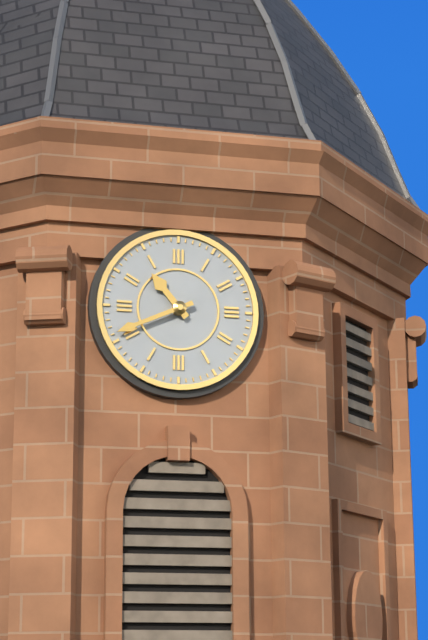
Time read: 10:41
